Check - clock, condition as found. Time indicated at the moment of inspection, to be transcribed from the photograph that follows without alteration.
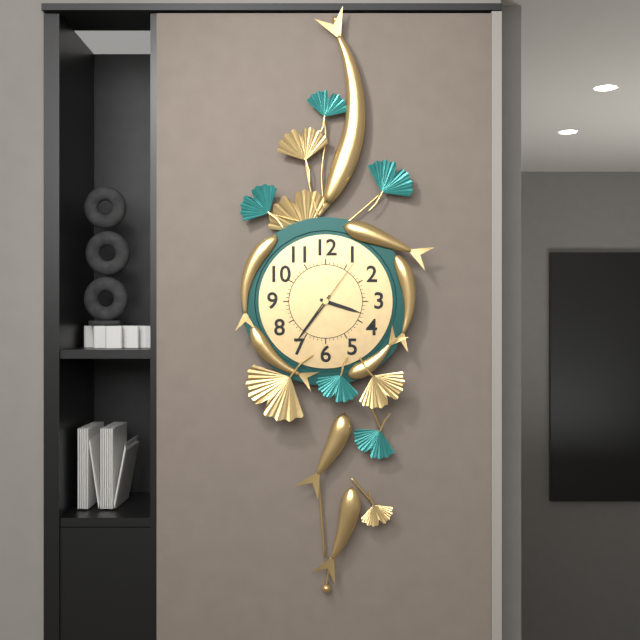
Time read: 3:36:06
